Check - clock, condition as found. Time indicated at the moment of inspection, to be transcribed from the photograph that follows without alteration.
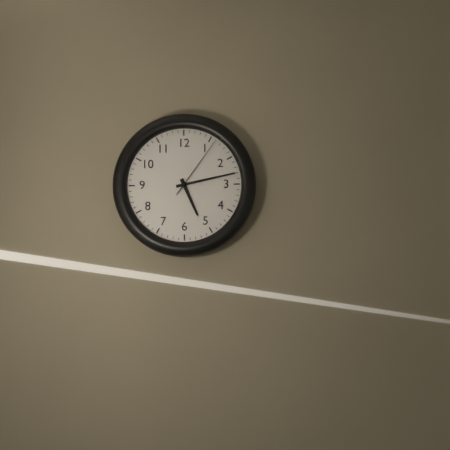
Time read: 5:13:06
